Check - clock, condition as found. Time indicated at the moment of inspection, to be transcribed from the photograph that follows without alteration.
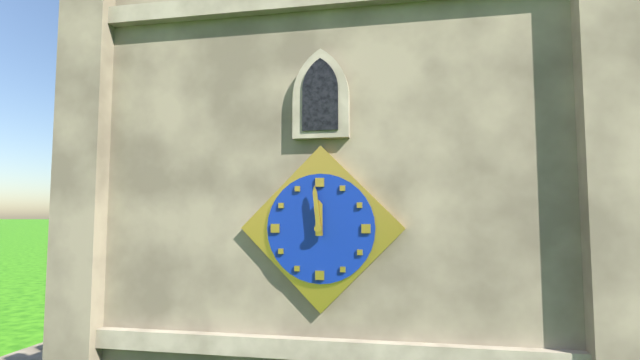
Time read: 11:59
